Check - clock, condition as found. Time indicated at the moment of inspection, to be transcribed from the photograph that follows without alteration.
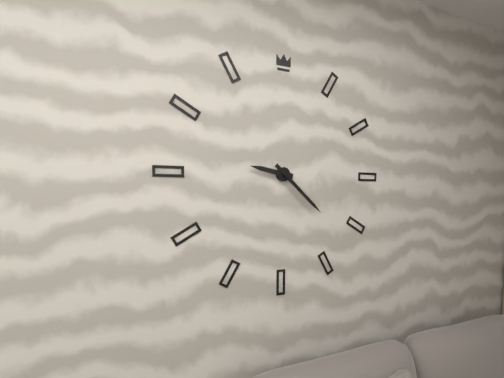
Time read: 9:22
